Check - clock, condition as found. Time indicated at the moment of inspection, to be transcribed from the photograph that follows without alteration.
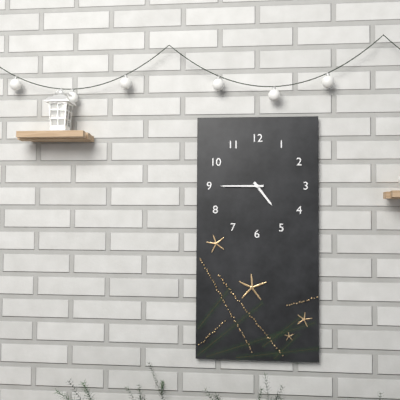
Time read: 4:45
